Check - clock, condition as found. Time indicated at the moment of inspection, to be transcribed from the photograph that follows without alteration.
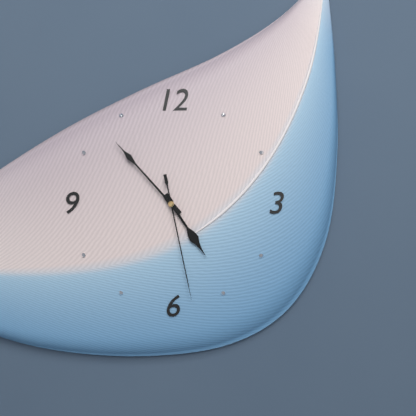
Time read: 4:53:28
